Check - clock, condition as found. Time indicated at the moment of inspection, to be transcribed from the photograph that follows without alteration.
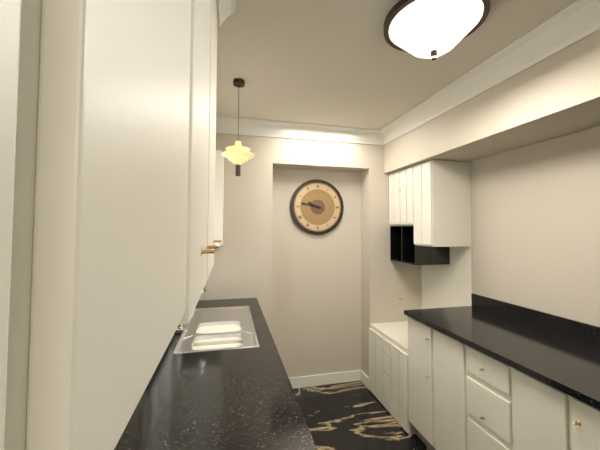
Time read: 9:47
